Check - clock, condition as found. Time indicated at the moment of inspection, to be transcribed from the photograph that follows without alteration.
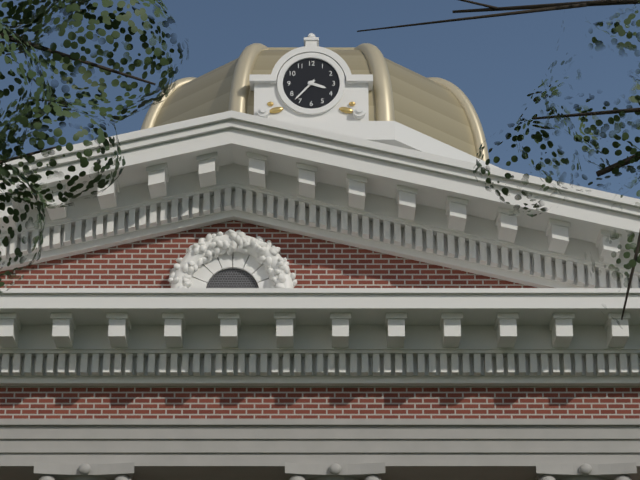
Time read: 3:37
